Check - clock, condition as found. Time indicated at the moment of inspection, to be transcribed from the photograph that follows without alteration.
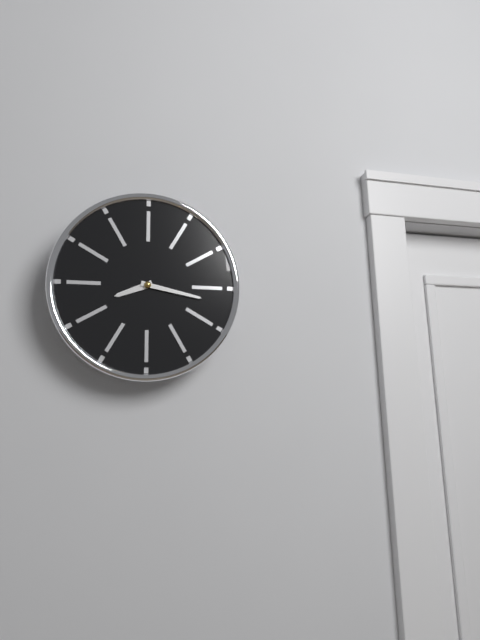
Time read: 8:17
